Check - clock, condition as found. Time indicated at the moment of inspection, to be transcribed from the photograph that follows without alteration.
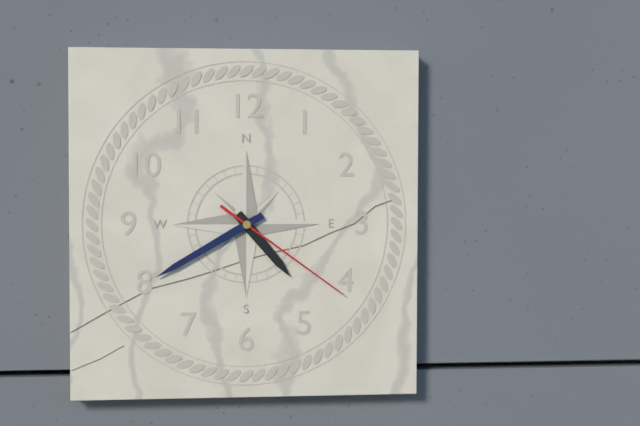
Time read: 4:40:21
